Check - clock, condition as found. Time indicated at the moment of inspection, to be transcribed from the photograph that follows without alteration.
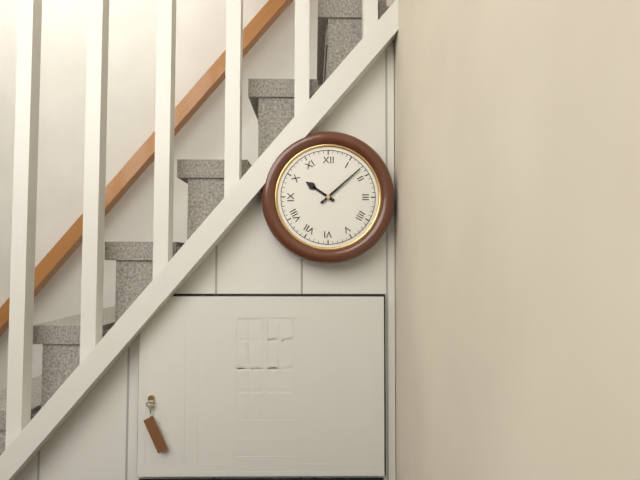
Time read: 10:08
